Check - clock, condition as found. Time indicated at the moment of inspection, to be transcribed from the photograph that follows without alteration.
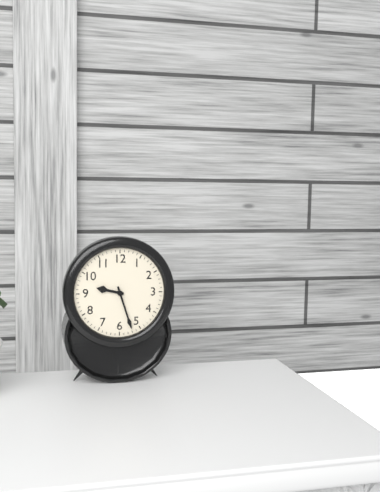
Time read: 9:27
